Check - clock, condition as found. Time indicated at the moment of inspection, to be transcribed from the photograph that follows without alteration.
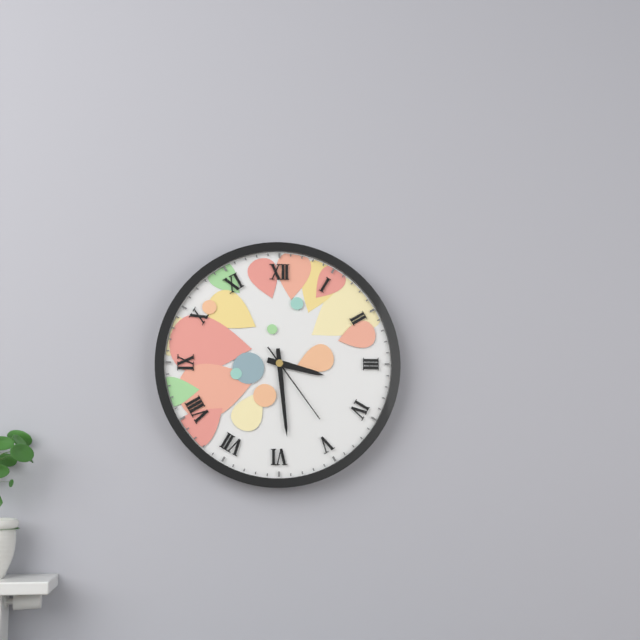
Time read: 3:29:24
